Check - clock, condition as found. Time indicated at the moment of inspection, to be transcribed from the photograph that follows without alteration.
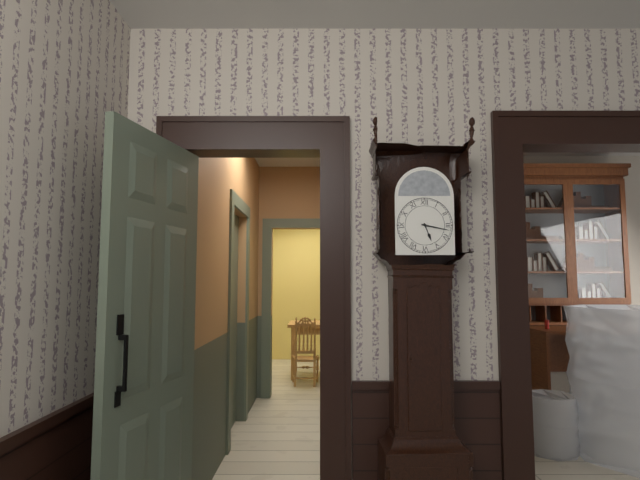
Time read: 5:17
